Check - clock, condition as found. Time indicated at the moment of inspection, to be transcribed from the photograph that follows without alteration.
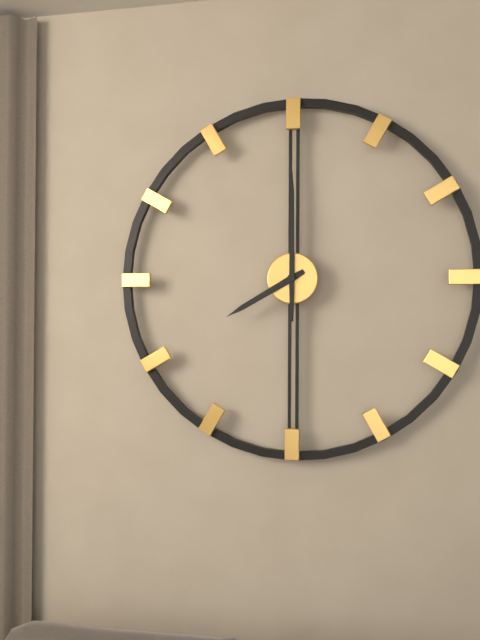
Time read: 8:00
